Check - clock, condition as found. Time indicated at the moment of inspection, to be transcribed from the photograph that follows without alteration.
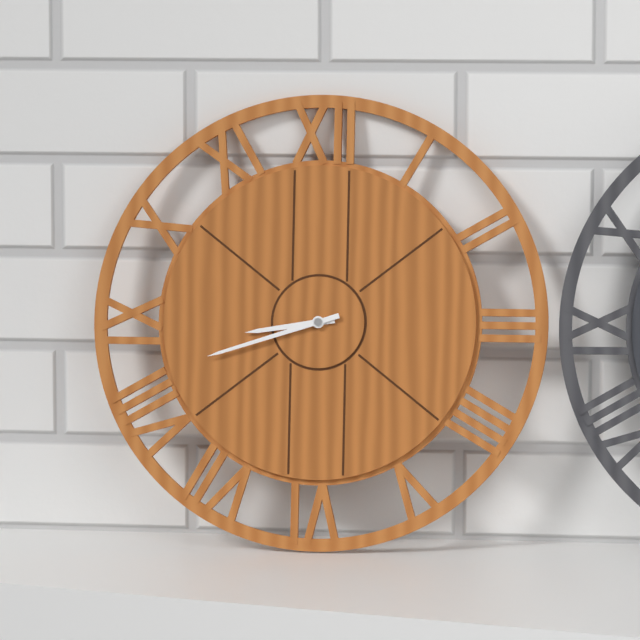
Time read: 8:42
